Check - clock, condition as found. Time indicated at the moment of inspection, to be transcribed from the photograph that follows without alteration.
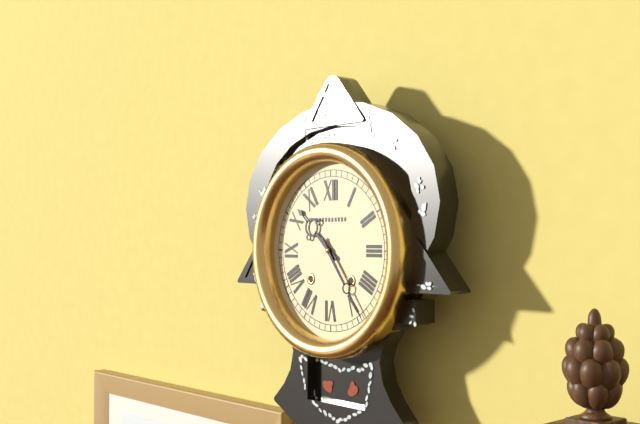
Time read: 10:24
